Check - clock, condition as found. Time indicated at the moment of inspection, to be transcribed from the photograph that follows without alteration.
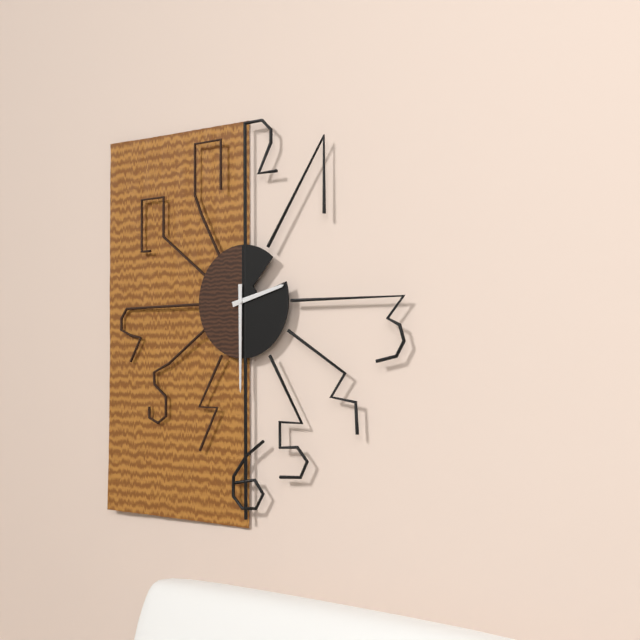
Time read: 2:30
